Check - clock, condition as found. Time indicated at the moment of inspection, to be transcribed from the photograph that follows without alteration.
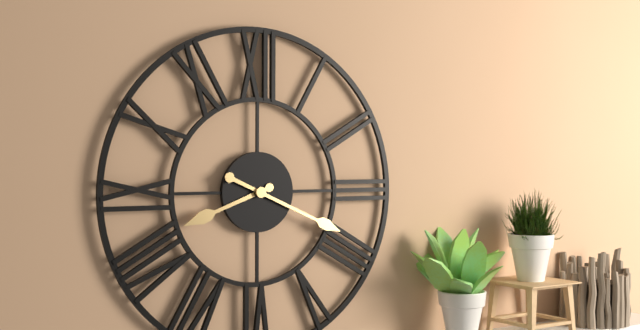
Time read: 8:19
